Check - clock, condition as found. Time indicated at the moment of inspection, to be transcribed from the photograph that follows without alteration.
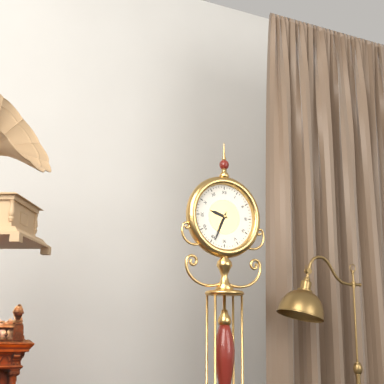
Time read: 9:34
